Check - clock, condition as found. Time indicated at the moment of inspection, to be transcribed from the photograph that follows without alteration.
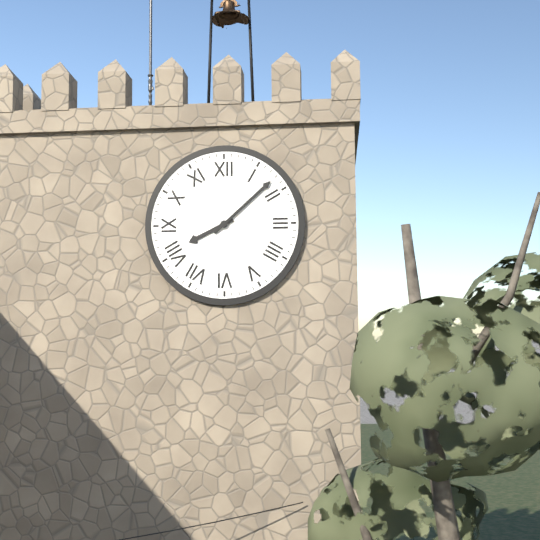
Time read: 8:08
